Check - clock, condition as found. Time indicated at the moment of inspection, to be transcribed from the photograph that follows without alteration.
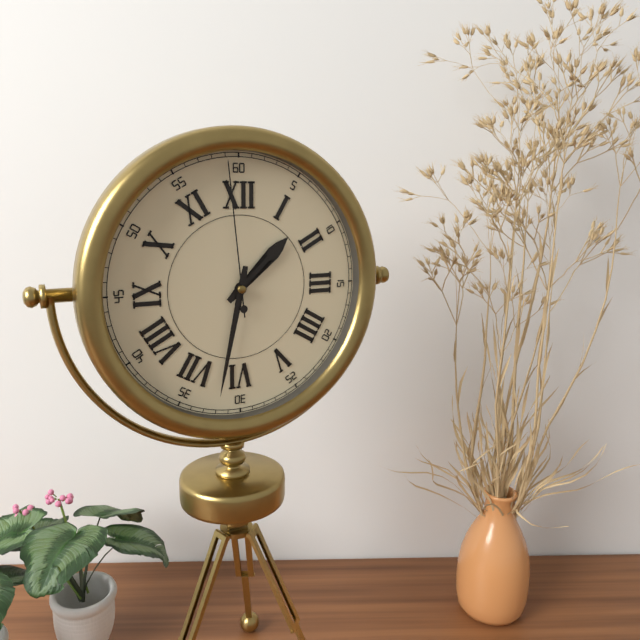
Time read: 1:32:59
